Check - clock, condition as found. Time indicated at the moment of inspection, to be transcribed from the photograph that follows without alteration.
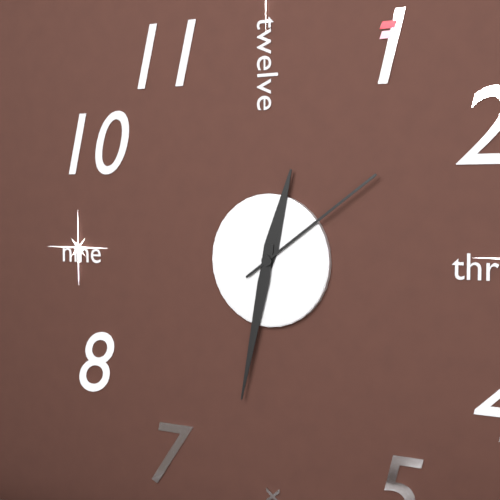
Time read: 12:32:09
